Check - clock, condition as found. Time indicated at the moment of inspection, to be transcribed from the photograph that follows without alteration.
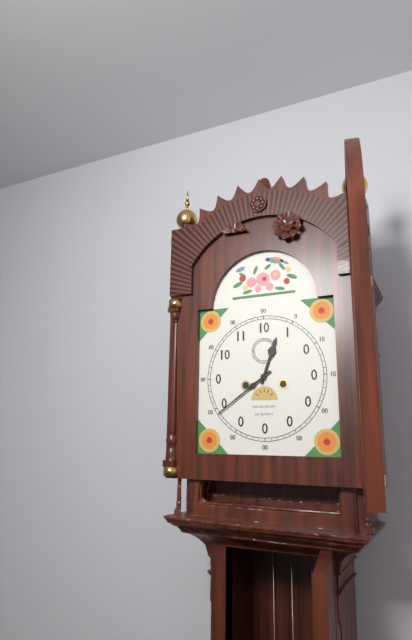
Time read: 12:39
